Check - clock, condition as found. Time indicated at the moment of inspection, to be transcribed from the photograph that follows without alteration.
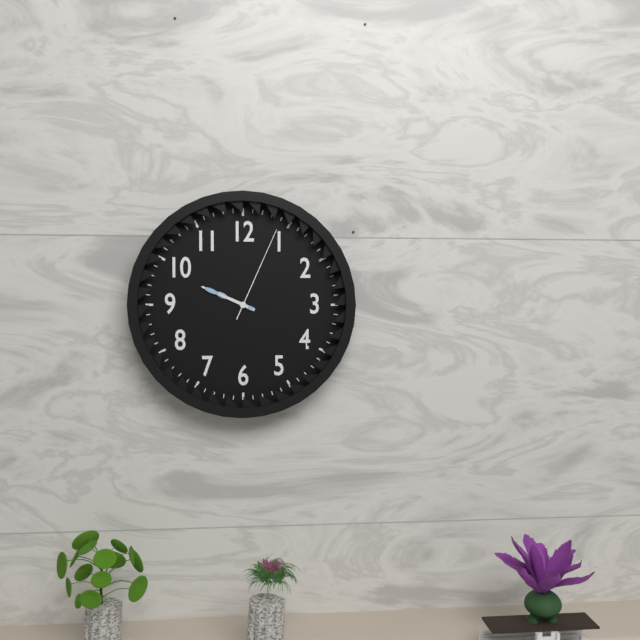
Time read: 9:49:04
